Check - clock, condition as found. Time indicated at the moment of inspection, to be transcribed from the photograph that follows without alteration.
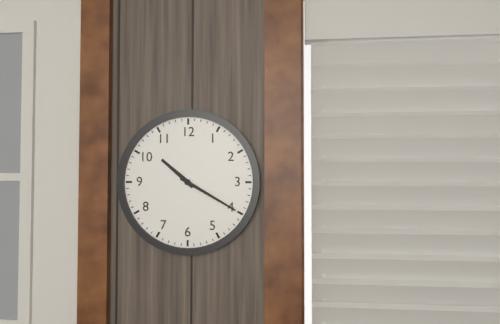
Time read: 10:20
